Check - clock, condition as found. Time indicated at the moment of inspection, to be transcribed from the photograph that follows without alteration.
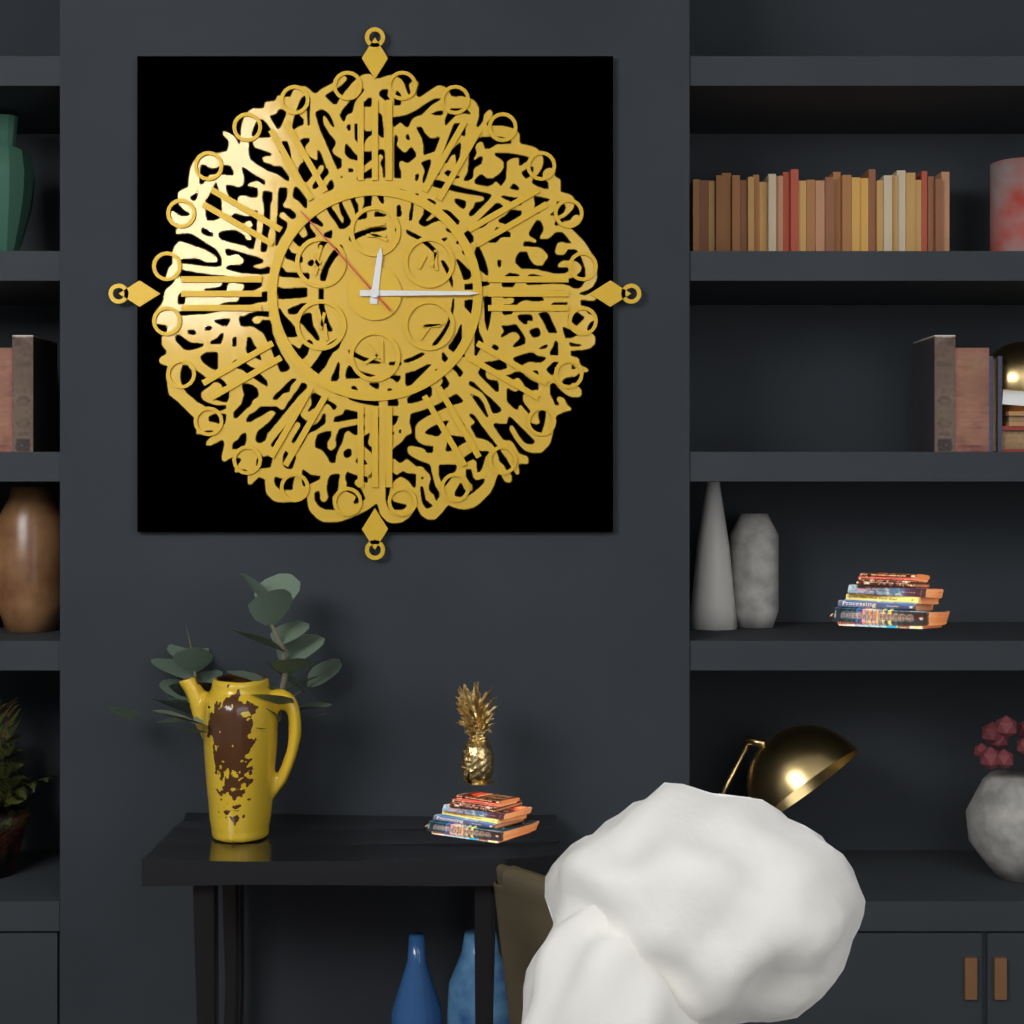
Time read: 12:15:53
